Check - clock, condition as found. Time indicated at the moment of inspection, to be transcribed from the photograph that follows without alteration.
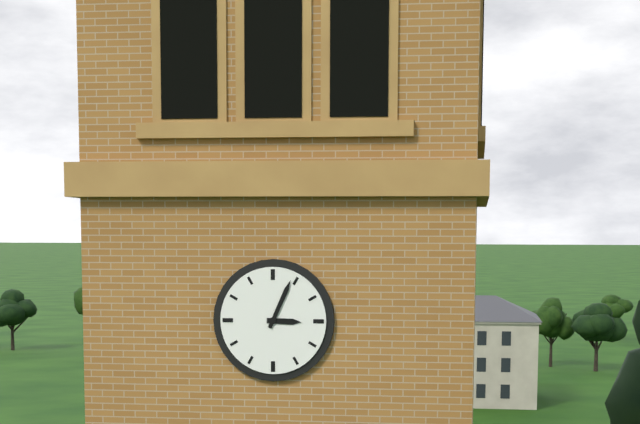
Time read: 3:04
